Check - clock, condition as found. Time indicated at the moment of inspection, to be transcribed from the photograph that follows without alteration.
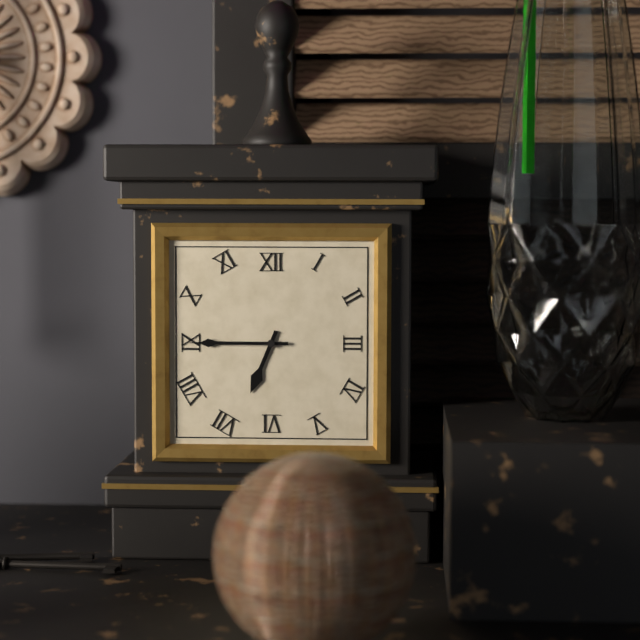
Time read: 6:45
